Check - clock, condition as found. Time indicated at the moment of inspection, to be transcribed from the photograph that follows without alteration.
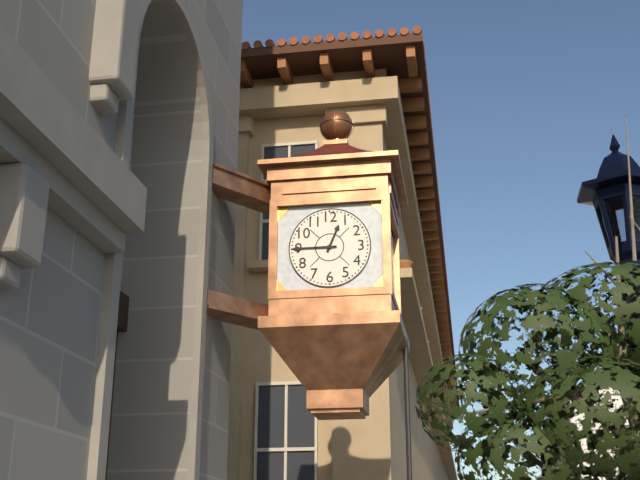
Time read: 12:45
